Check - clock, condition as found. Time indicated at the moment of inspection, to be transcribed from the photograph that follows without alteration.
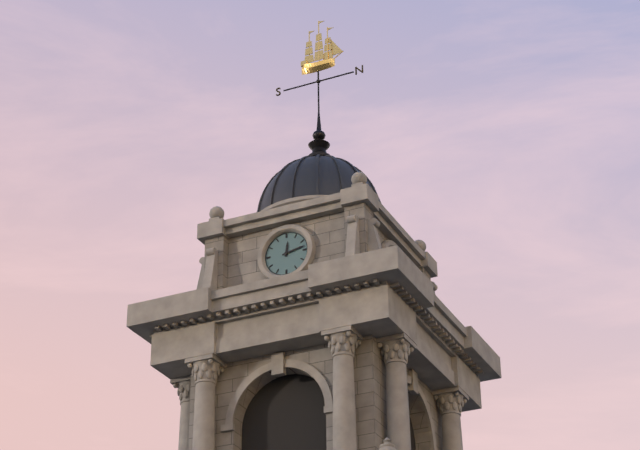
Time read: 12:13
